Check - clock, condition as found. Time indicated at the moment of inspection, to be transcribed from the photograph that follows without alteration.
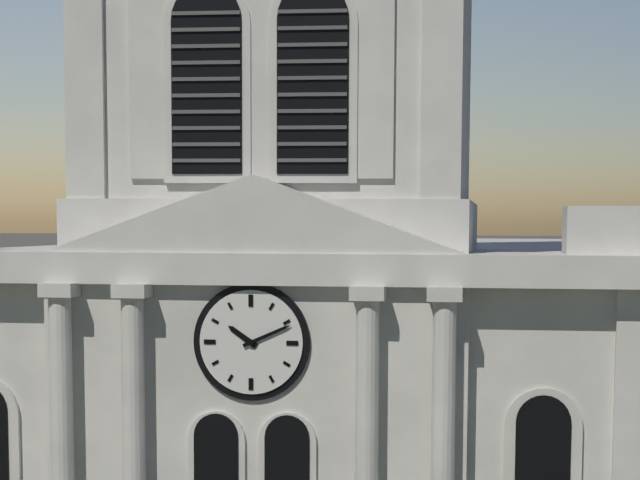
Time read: 10:11
